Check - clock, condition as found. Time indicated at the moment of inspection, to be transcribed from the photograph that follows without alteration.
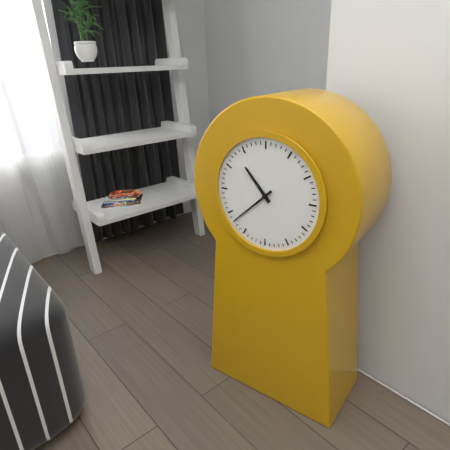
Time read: 10:38
